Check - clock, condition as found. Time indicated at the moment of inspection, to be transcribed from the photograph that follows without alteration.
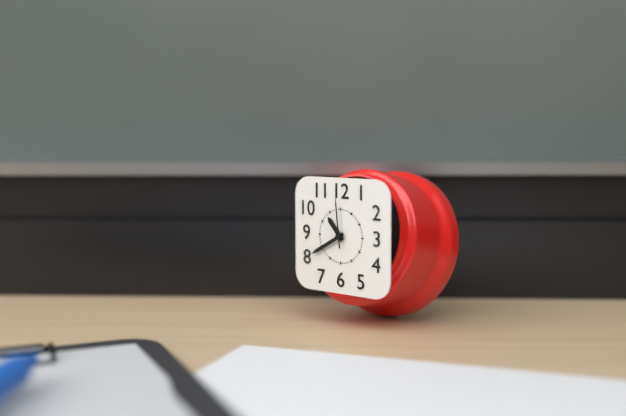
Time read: 10:40
